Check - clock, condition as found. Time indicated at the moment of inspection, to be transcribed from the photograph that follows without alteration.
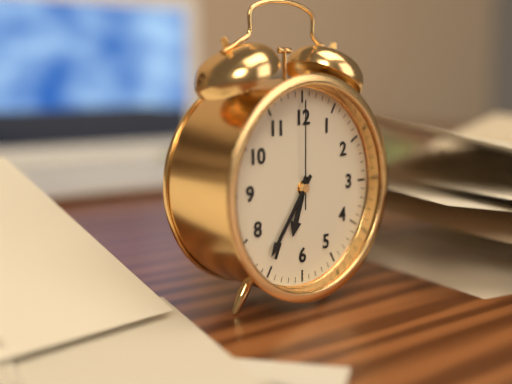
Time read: 6:36:00
